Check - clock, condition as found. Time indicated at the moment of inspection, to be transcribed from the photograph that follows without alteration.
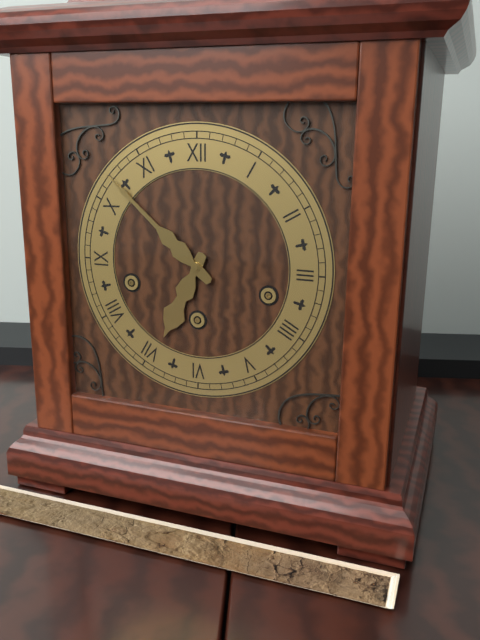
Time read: 6:52
